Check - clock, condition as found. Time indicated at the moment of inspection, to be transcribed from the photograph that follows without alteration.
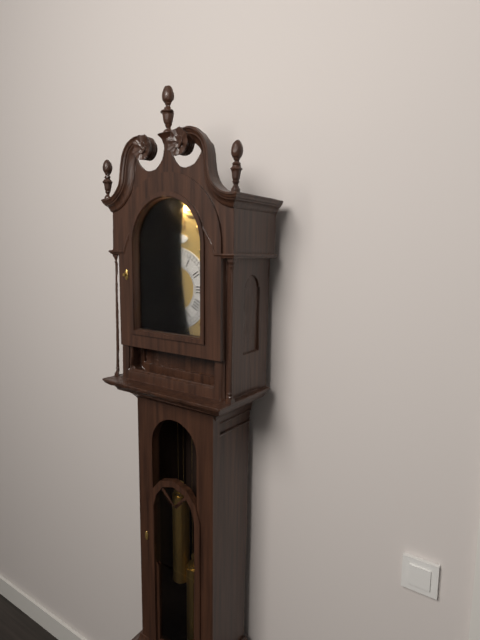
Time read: 9:53
